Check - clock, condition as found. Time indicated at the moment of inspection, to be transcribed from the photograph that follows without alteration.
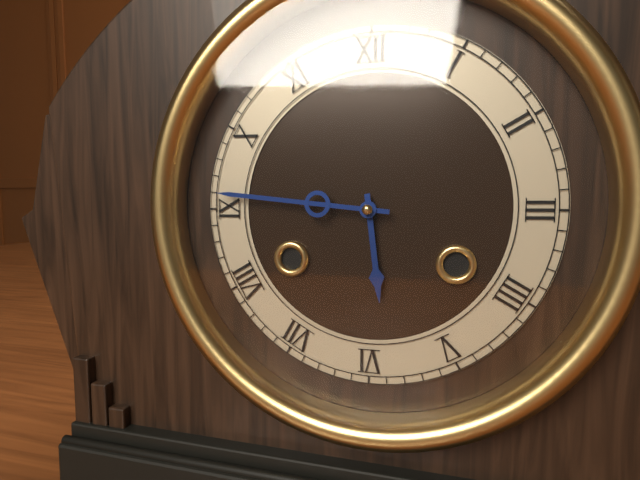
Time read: 5:46
